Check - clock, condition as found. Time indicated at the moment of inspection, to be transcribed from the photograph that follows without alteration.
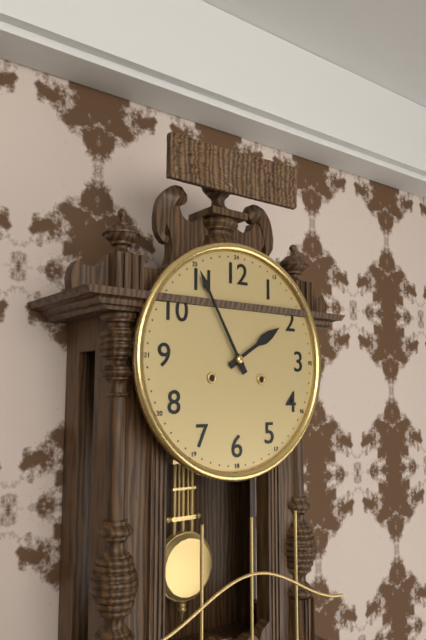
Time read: 1:55
